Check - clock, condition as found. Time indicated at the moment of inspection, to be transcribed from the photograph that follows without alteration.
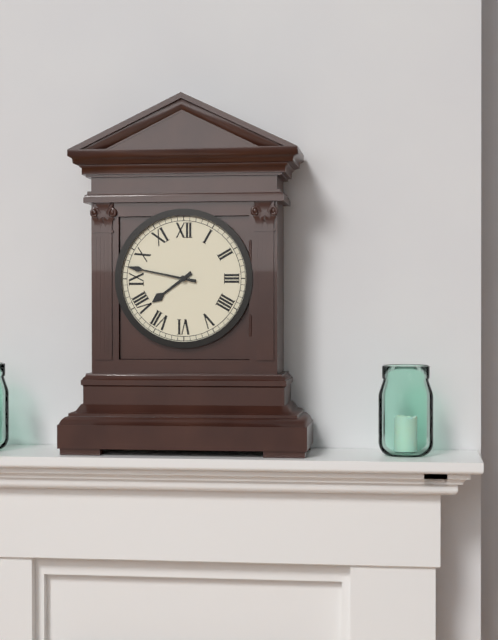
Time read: 7:47
